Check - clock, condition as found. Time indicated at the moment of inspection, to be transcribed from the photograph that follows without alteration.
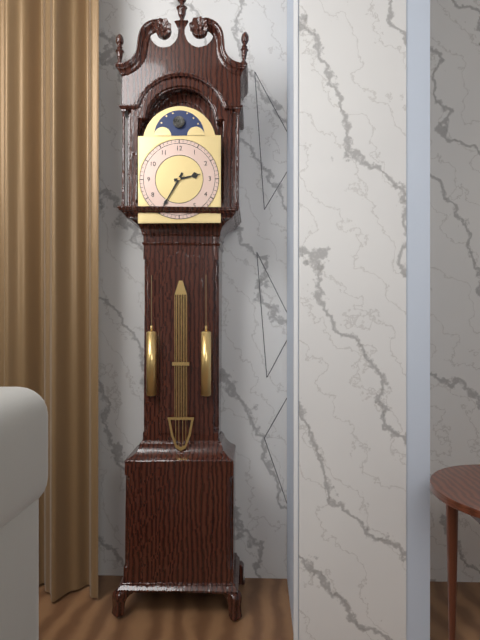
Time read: 2:35
